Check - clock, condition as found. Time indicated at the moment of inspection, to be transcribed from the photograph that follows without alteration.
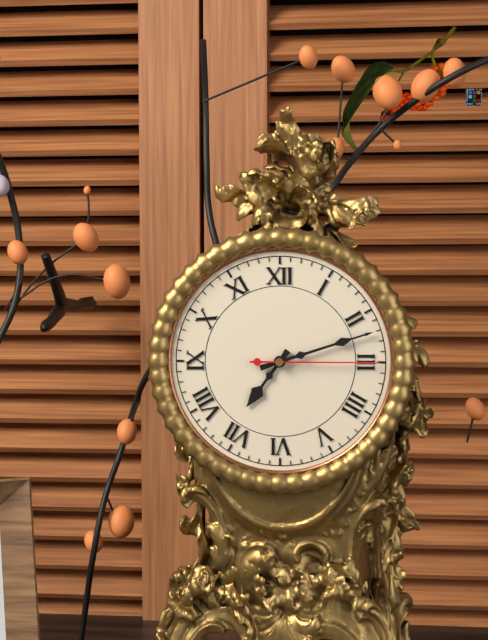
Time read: 7:12:15
